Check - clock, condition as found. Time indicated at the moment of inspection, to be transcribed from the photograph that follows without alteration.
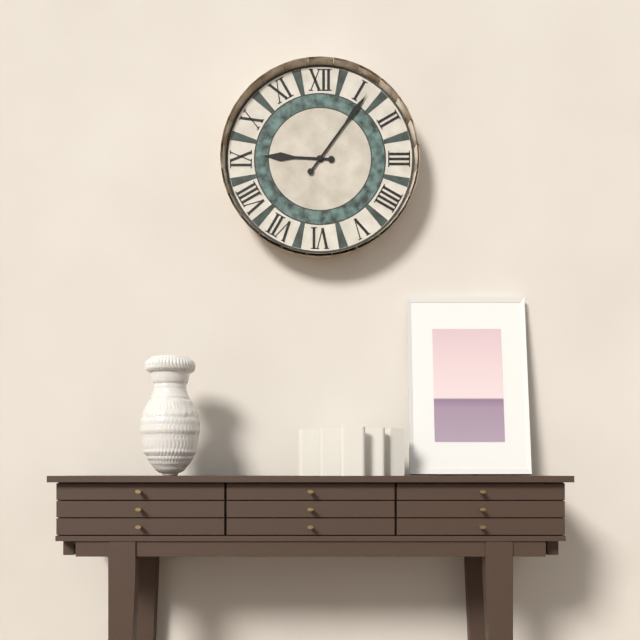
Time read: 9:06
